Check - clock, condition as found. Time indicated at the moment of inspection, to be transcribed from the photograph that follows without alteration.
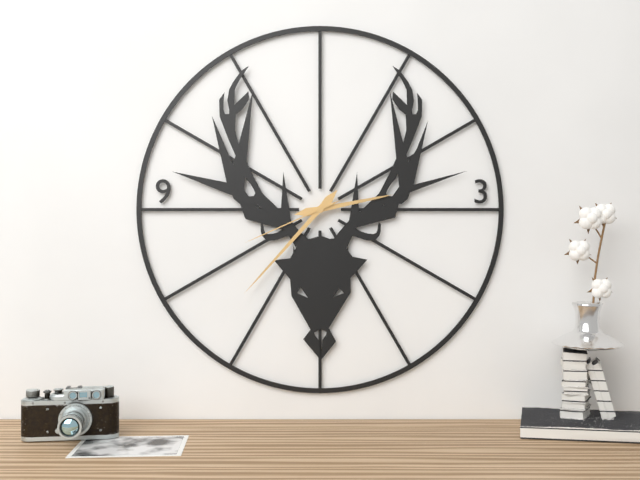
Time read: 2:37:41
